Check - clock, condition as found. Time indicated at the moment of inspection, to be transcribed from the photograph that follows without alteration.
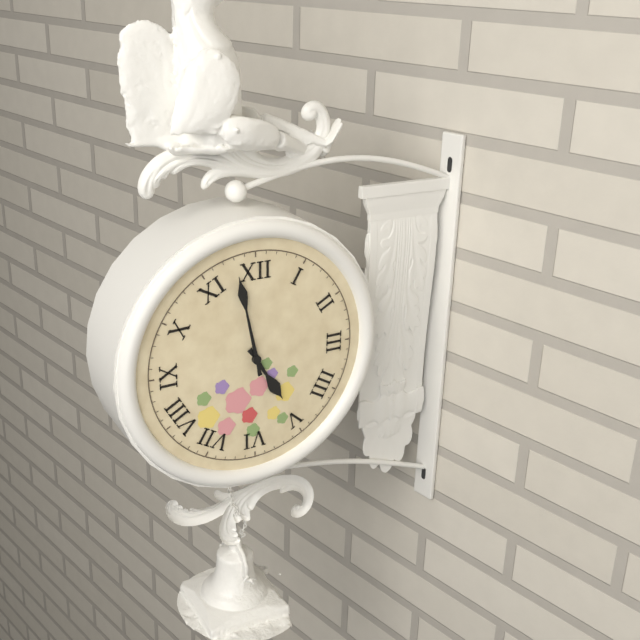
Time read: 4:58
